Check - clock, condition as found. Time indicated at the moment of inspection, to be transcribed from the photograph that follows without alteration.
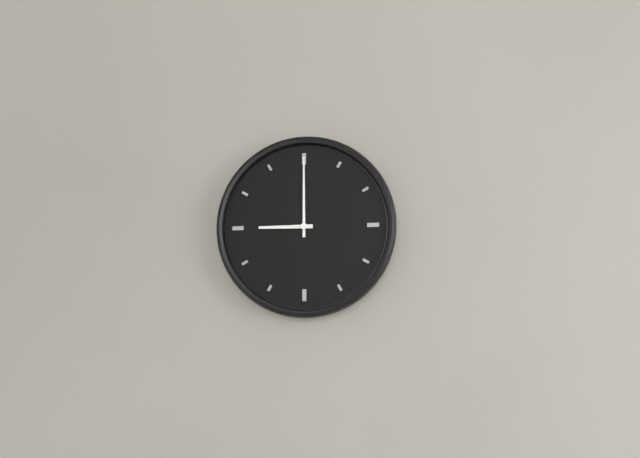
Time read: 9:00
